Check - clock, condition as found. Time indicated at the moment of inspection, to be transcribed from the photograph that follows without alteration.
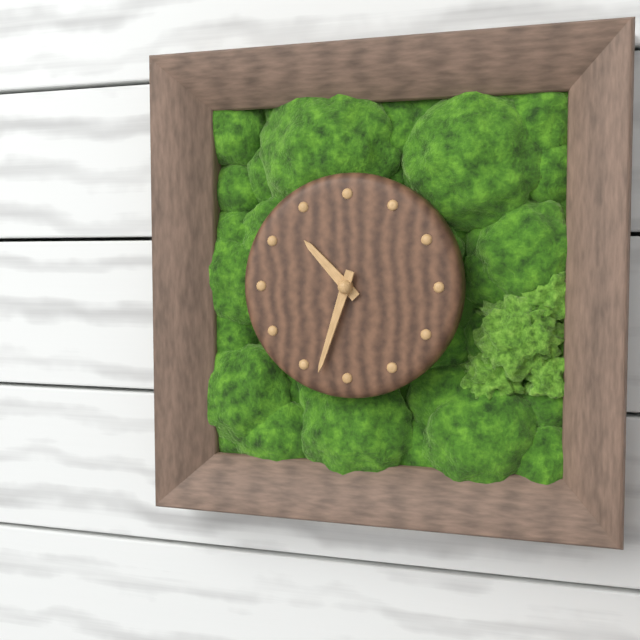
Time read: 10:33
